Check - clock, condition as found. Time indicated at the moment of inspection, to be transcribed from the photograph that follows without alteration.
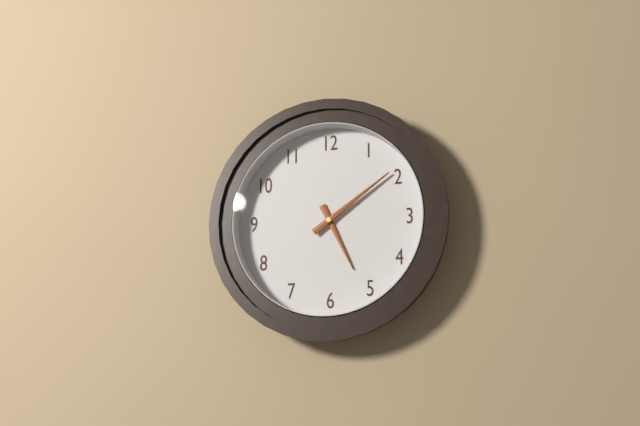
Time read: 5:09
